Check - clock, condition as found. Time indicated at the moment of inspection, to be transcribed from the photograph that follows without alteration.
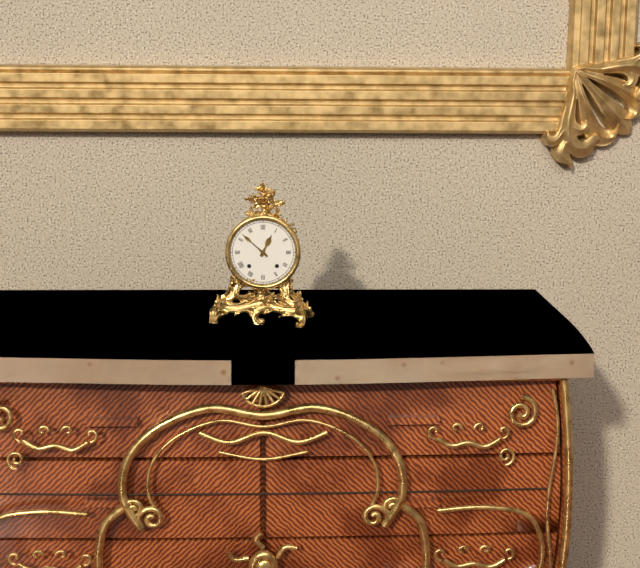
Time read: 12:52
